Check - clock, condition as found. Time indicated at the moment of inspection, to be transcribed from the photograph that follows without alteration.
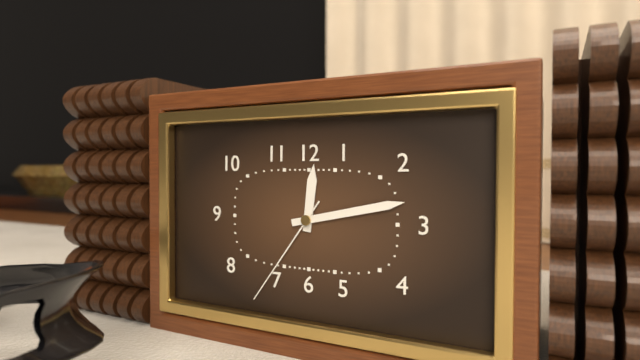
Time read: 12:13:36
